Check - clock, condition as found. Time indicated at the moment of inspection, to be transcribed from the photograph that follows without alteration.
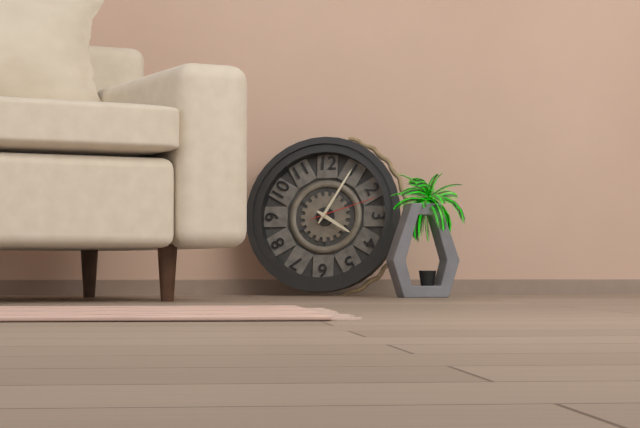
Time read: 4:05:12
